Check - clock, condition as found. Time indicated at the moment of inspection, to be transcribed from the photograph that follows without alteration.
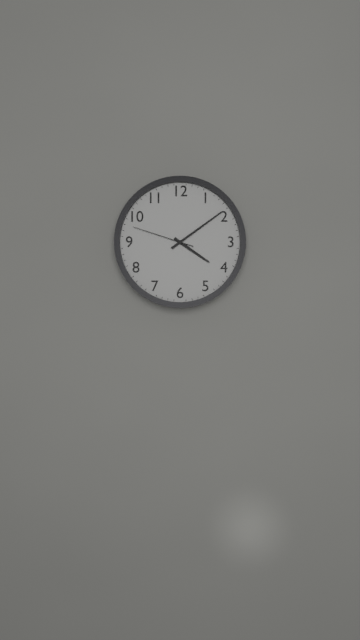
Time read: 4:09:48
